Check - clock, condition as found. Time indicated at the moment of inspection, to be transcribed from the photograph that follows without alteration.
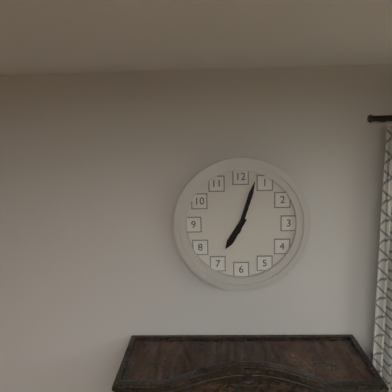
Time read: 7:03
